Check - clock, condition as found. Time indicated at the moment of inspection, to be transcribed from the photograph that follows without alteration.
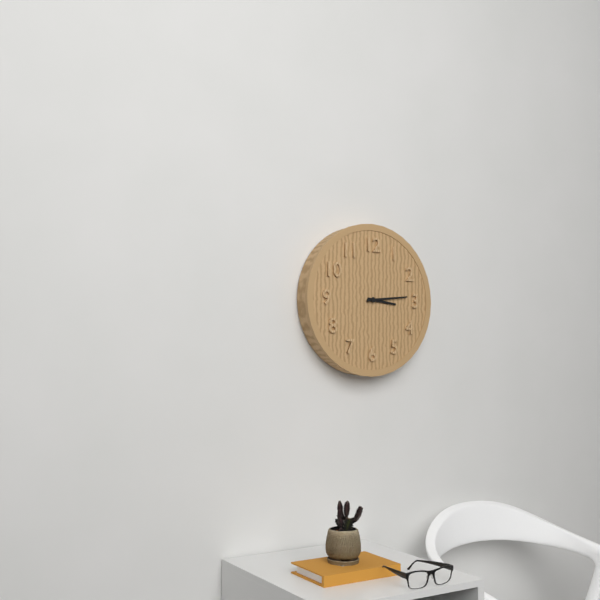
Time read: 3:14
